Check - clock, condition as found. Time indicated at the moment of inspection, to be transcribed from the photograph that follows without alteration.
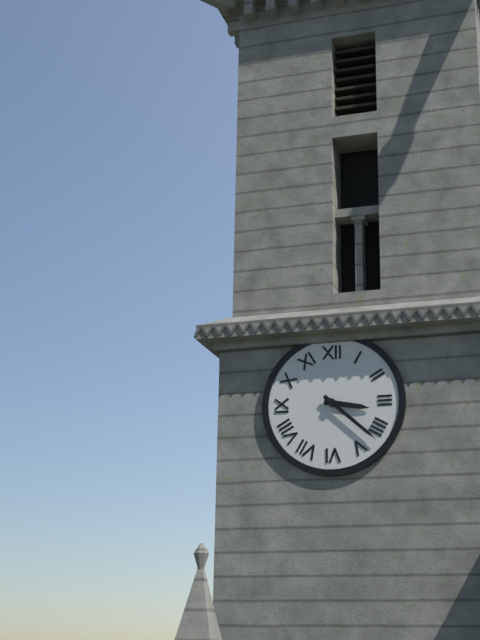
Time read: 3:22
